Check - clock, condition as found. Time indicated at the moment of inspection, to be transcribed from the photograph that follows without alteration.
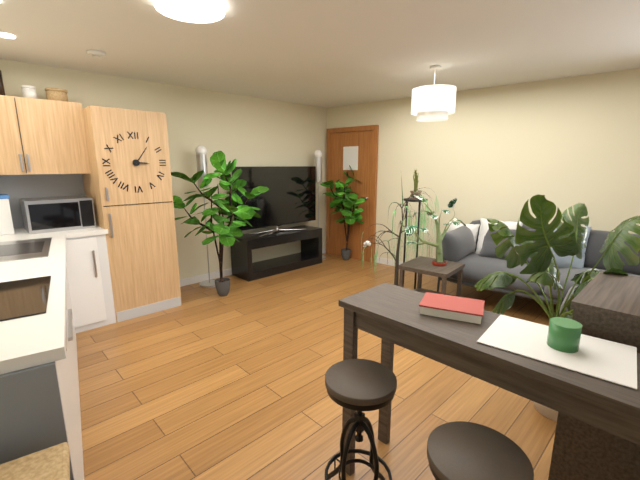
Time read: 3:06
